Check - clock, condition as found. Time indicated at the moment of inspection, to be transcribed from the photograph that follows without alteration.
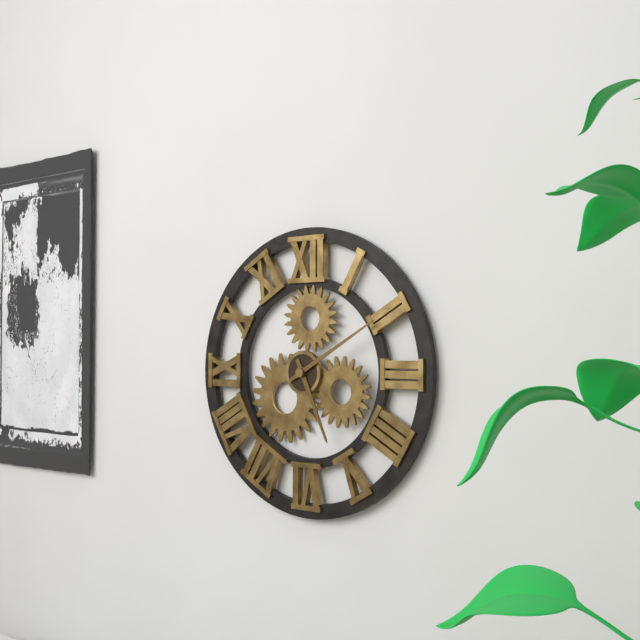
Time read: 5:10
